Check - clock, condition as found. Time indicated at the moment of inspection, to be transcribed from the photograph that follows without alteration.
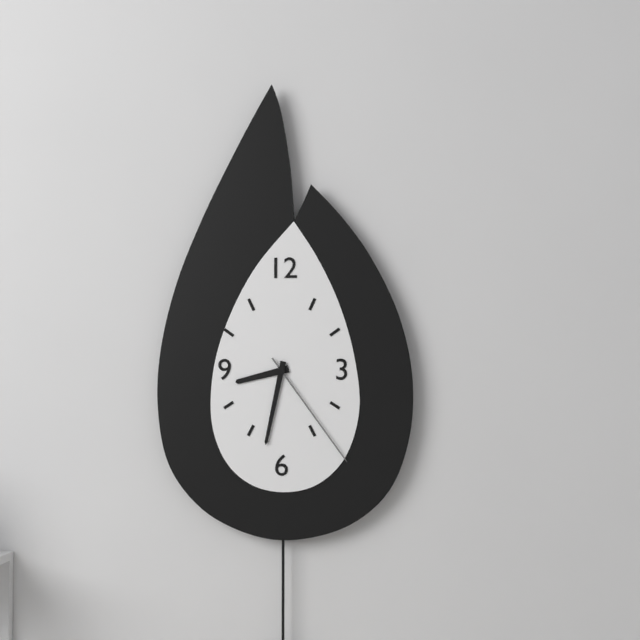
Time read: 8:32:24
